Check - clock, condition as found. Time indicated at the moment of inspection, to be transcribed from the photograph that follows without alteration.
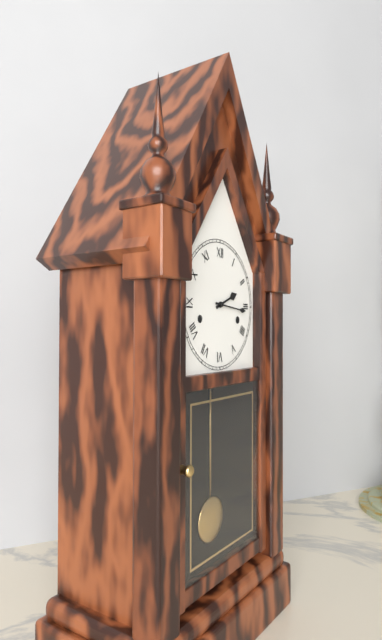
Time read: 2:16
